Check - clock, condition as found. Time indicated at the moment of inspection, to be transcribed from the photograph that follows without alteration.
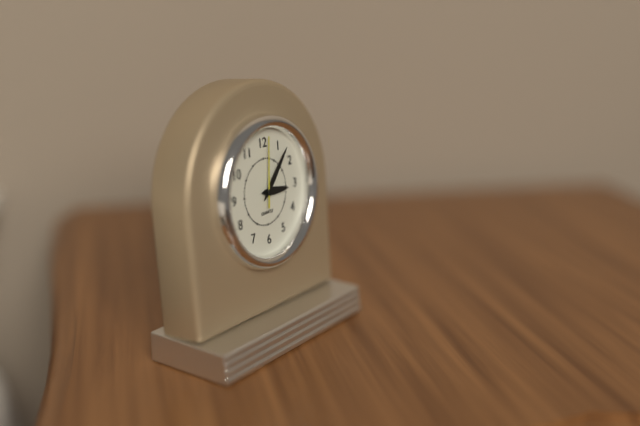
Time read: 3:07:01
